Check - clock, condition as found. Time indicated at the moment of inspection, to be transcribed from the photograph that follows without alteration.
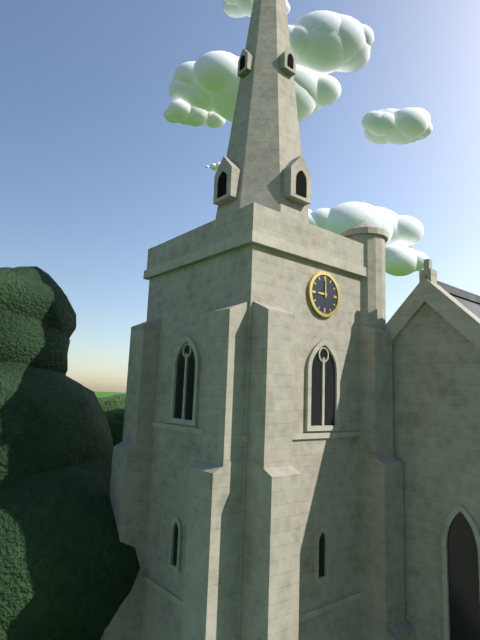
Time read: 9:00
